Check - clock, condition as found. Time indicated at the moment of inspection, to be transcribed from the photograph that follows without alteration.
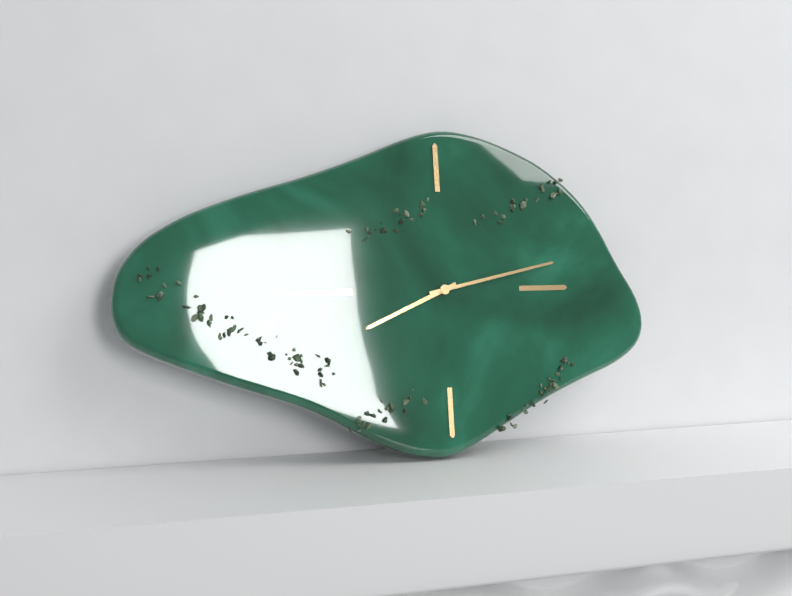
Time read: 8:13
